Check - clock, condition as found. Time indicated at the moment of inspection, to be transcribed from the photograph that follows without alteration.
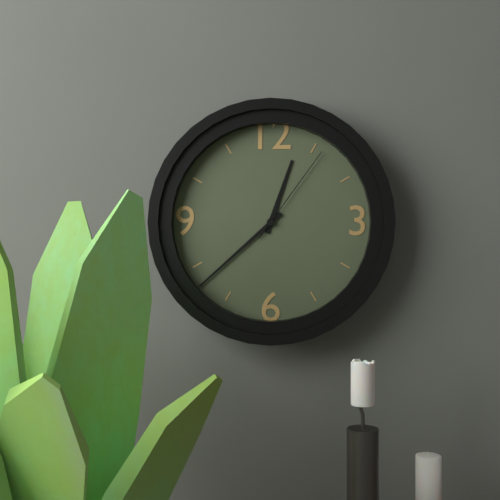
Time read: 12:38:06
